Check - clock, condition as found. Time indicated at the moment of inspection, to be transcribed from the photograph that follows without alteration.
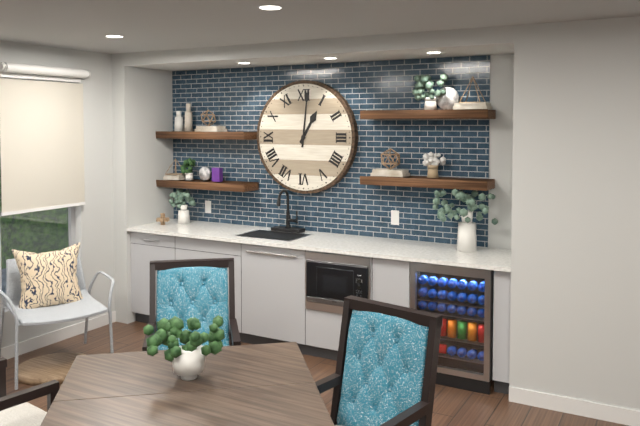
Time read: 1:01
